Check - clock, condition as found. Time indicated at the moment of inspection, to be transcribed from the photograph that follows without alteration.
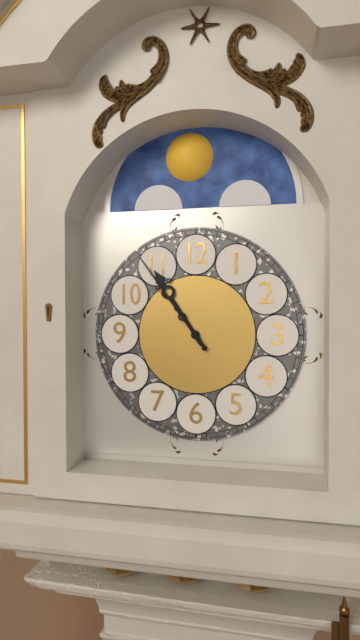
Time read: 10:54
